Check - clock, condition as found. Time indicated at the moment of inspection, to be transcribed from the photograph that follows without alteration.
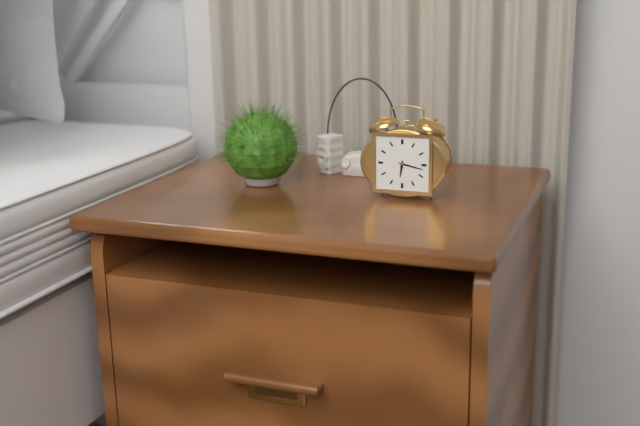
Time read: 6:17
